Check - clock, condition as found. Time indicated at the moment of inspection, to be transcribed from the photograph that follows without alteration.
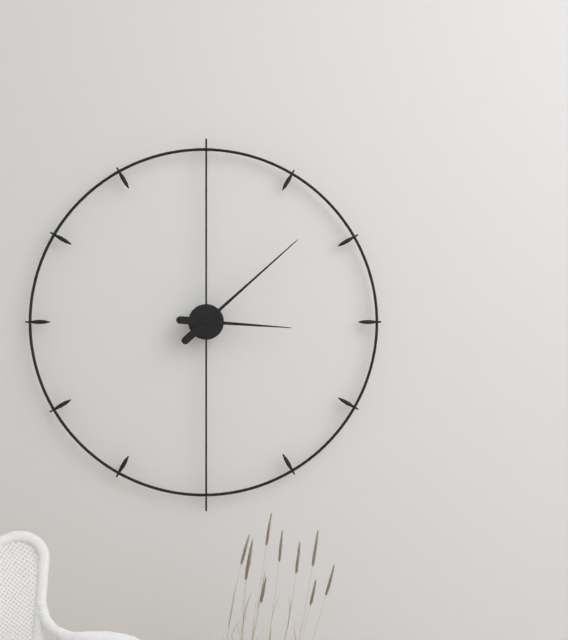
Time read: 3:08
